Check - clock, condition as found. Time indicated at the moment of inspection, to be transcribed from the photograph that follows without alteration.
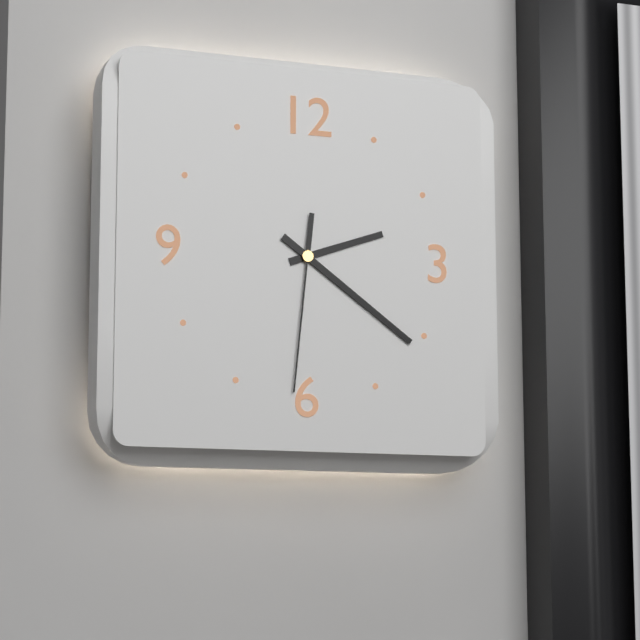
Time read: 2:21:31
